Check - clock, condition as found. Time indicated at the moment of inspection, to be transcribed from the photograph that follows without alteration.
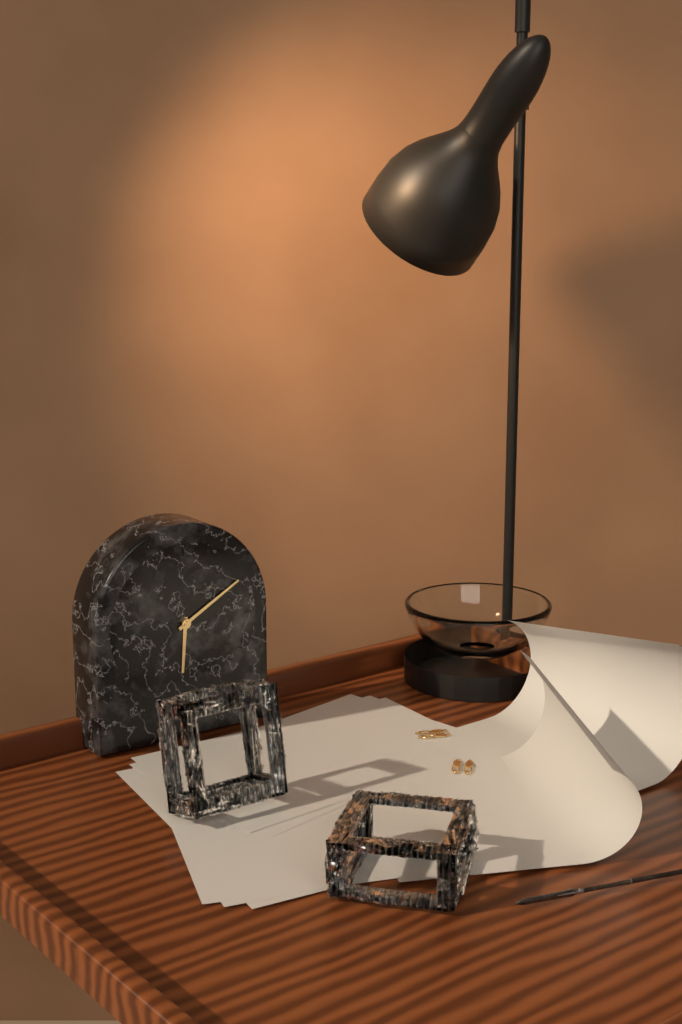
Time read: 6:10
